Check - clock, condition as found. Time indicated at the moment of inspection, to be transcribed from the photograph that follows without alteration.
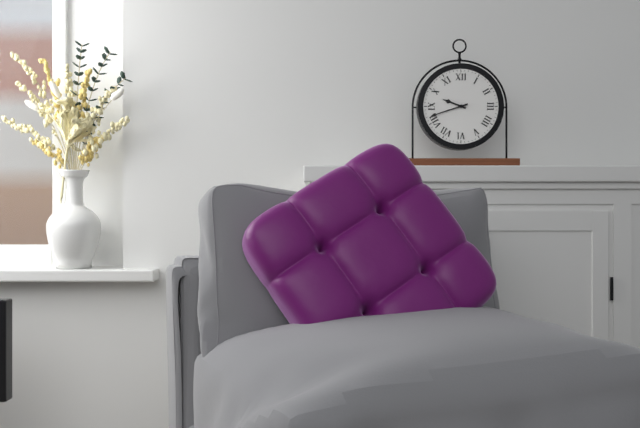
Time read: 9:42
